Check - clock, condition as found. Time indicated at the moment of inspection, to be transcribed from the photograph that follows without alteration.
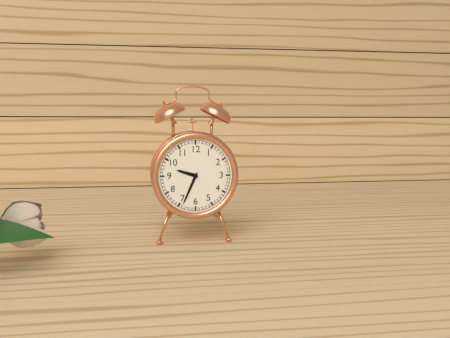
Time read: 9:34
